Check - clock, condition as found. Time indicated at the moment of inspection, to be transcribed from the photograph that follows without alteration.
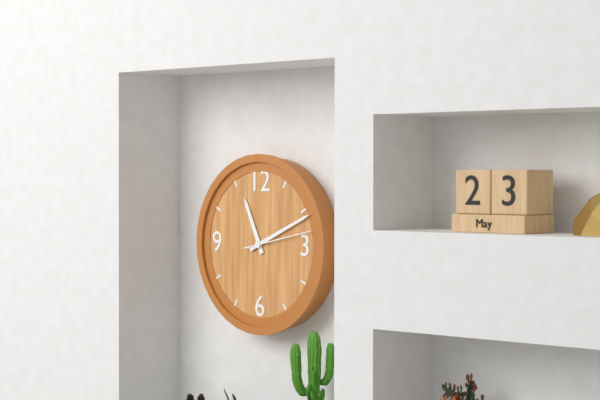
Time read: 11:11:13
